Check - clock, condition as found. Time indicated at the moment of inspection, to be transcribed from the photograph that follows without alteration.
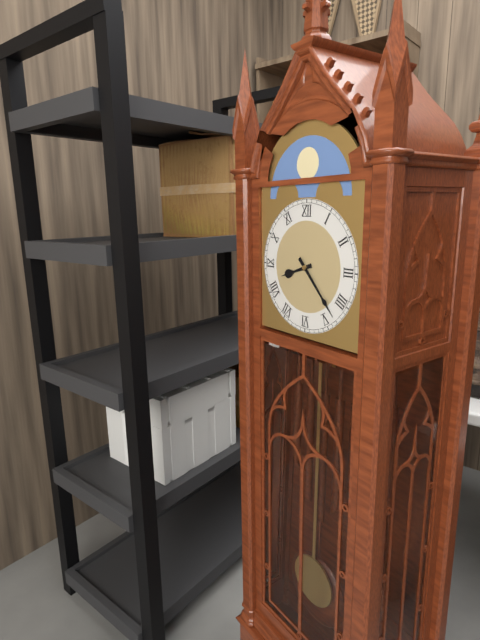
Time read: 8:23
